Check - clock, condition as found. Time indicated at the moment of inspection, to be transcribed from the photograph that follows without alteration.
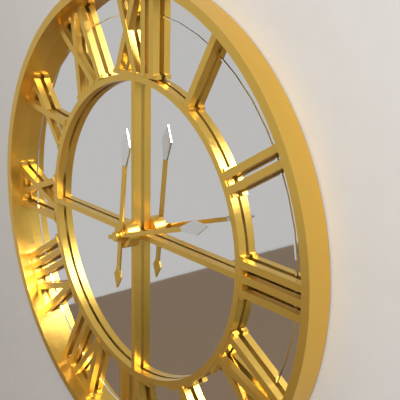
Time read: 12:12
